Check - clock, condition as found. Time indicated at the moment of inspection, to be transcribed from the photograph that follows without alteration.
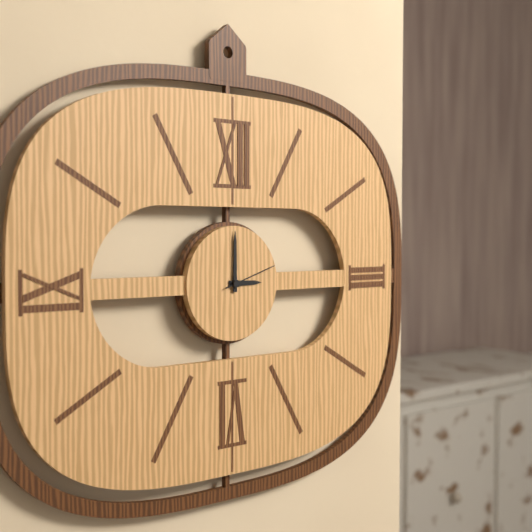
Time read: 3:00:12
